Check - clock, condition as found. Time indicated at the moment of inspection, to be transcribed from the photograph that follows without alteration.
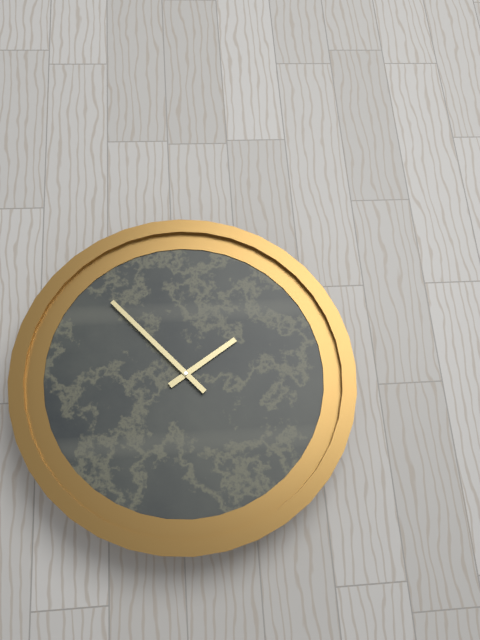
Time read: 1:53
